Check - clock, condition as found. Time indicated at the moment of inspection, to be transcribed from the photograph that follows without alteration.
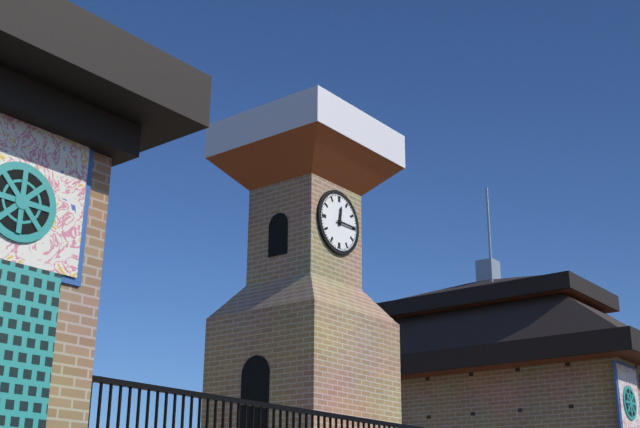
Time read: 12:15
